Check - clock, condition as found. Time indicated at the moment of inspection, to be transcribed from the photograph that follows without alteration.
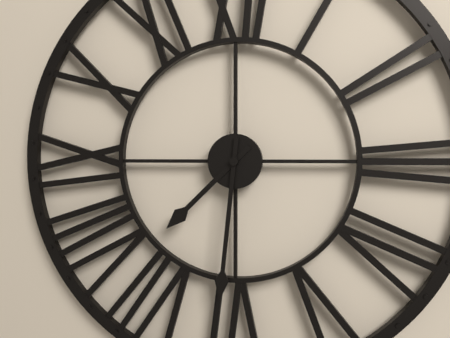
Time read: 7:31
